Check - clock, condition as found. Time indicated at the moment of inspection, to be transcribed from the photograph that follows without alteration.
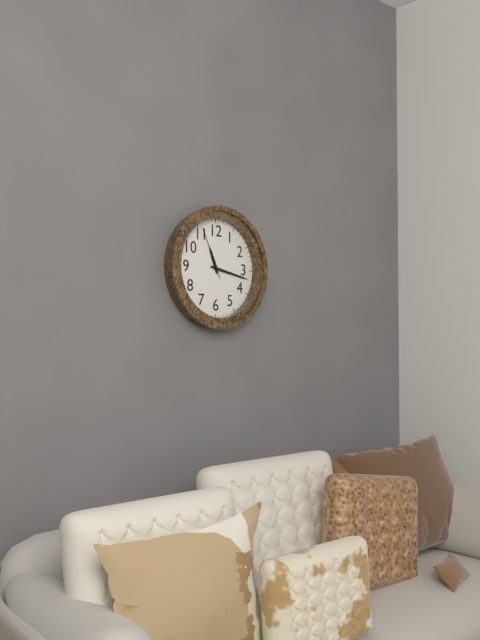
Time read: 11:17:56
